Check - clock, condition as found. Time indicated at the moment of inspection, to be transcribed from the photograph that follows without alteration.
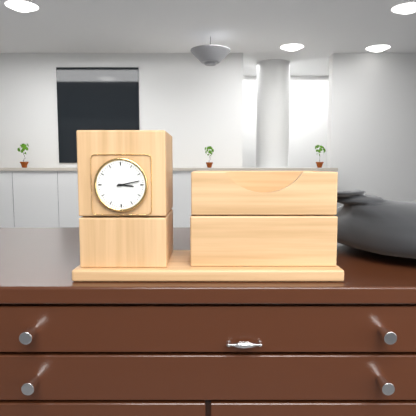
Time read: 3:13
